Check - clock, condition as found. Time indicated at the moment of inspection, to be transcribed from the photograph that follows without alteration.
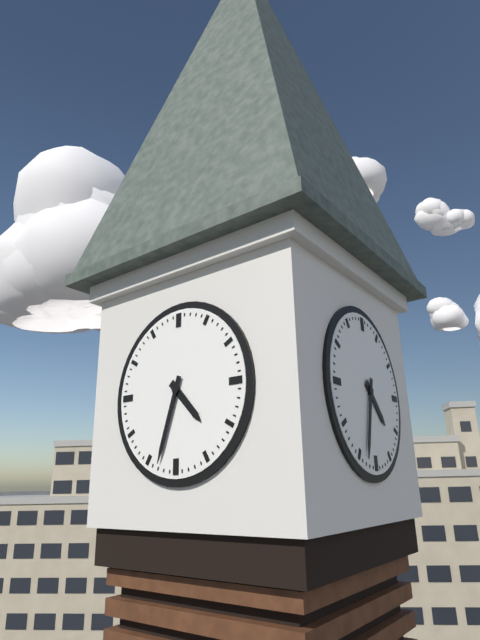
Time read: 4:33
